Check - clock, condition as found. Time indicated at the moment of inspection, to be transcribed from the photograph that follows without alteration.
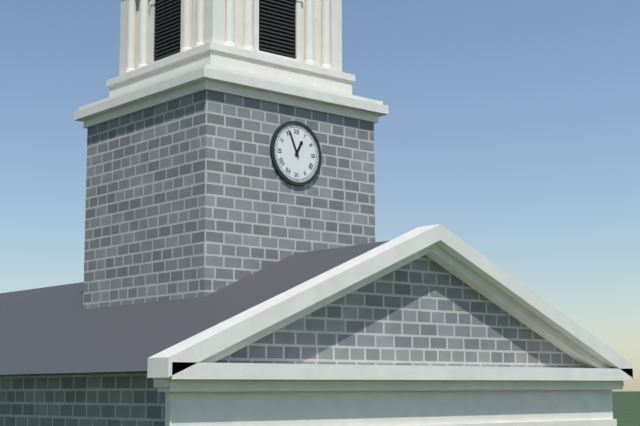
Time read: 12:56
